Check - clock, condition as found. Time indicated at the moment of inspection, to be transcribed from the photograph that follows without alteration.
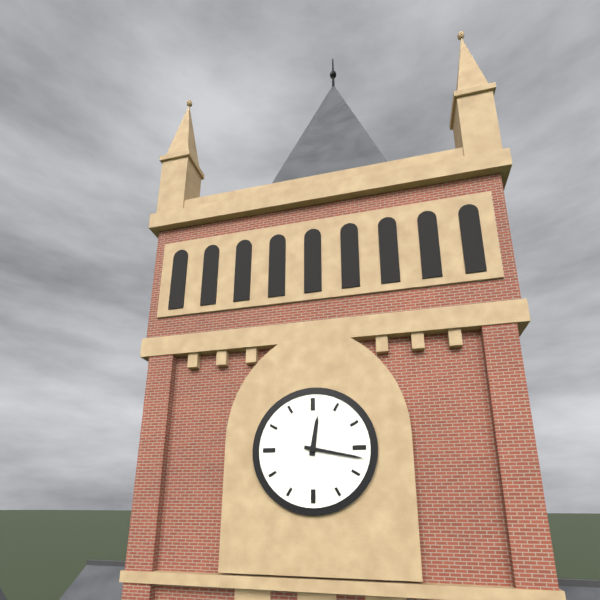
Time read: 12:17
